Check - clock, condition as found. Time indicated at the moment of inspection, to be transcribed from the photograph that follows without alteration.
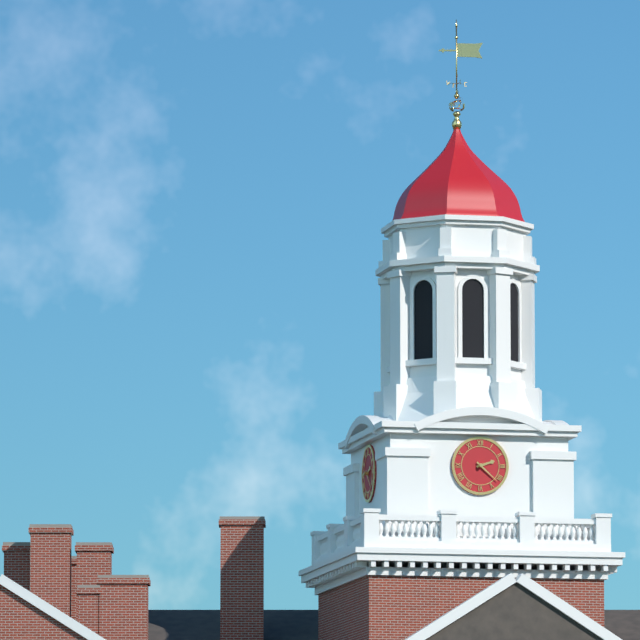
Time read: 2:22
